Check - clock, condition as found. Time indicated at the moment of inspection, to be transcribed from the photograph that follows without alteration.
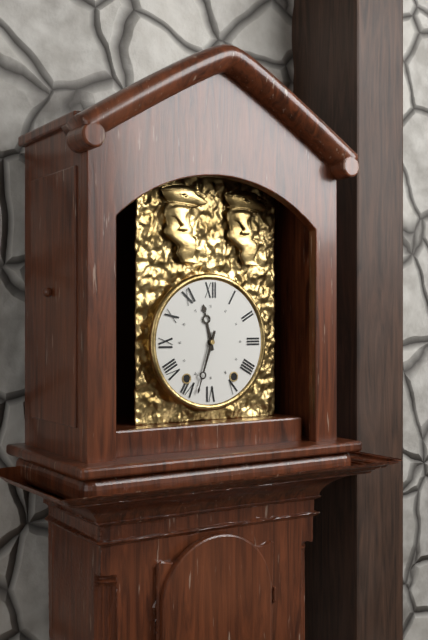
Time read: 11:33
